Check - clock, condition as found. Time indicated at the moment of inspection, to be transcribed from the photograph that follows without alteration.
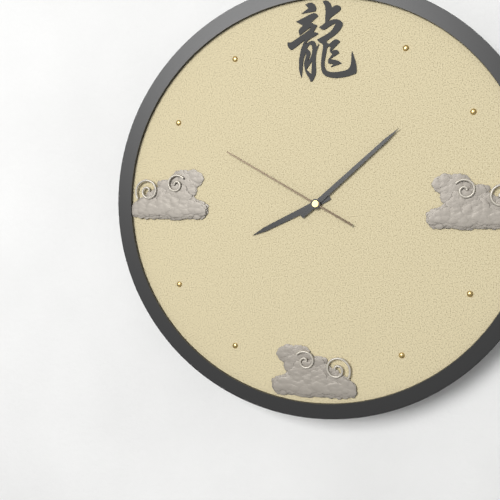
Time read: 8:08:50
